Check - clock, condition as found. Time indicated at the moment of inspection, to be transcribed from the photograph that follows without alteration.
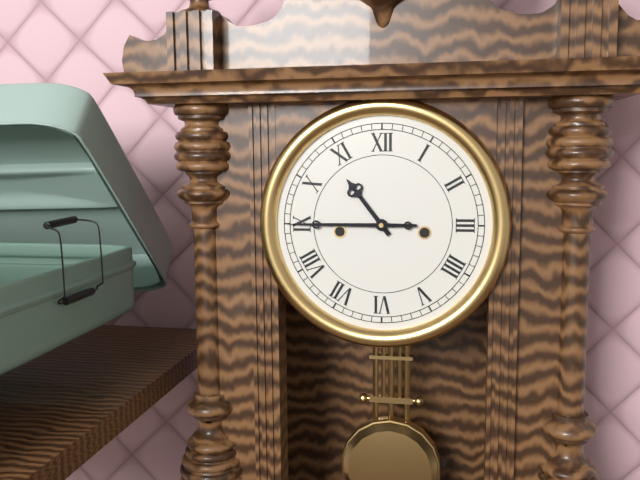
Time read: 10:45
